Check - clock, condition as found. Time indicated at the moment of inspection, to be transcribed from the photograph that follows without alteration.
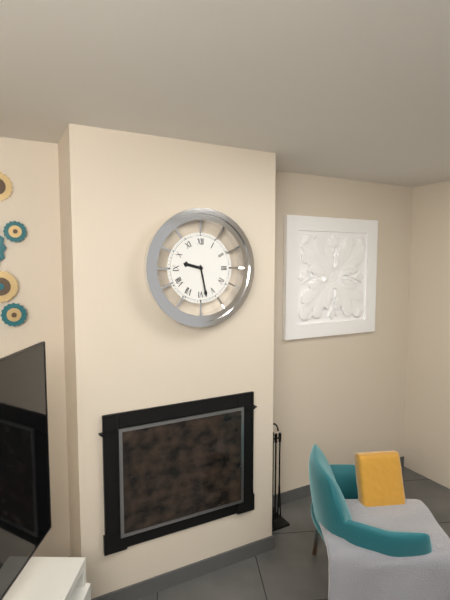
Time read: 9:28
